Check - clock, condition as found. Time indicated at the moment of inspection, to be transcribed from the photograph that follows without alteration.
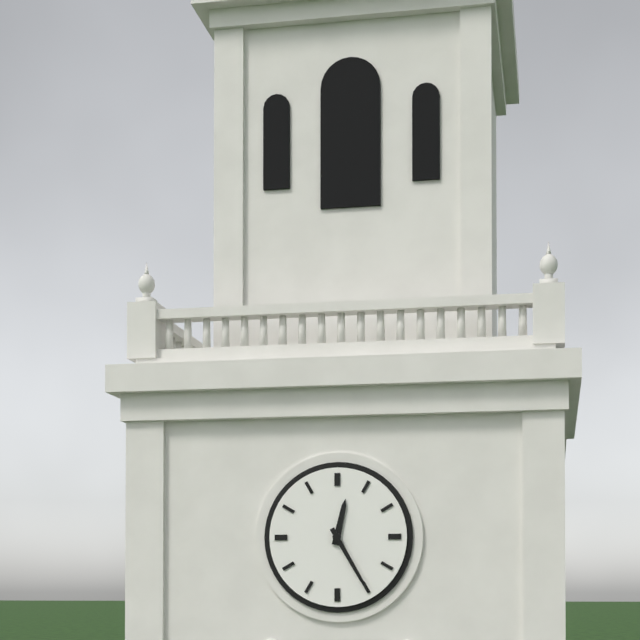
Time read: 12:25
